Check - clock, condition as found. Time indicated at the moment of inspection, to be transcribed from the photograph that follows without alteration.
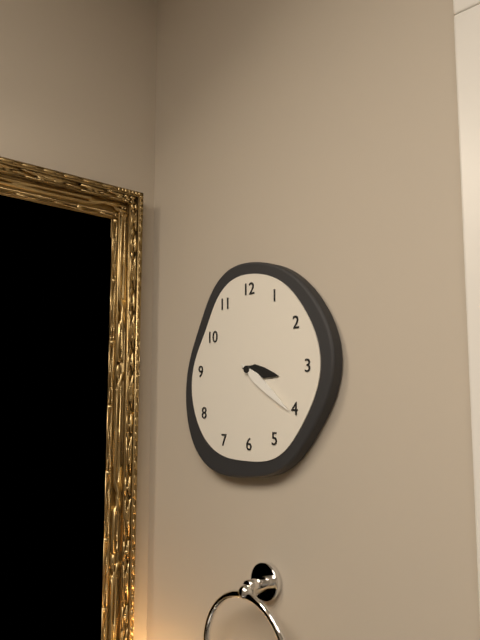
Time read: 3:21
